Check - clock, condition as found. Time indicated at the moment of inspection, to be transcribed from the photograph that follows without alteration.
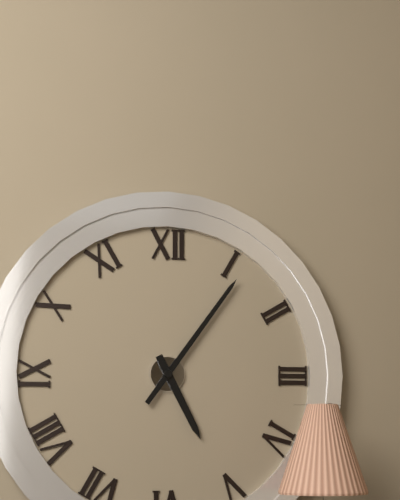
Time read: 5:06
